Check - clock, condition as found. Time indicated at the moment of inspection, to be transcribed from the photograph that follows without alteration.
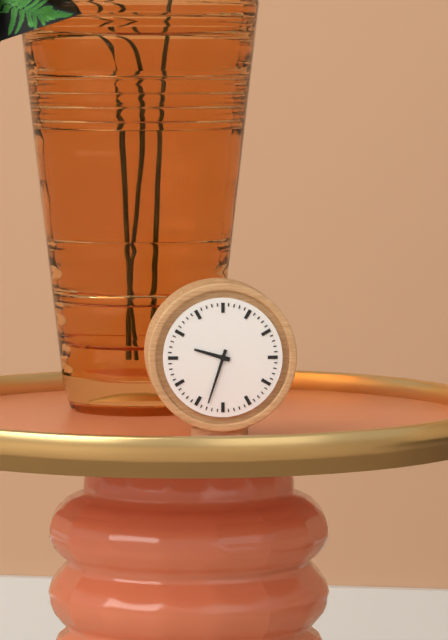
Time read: 9:33
